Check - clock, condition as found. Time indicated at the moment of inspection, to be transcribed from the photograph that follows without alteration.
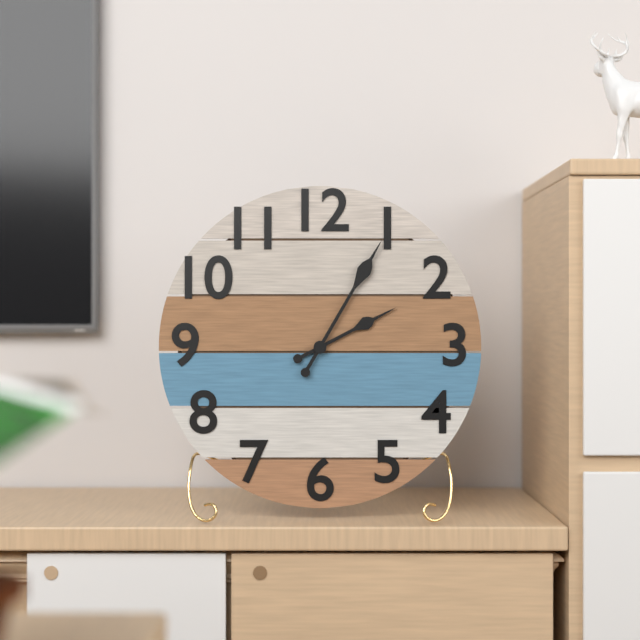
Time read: 2:05
